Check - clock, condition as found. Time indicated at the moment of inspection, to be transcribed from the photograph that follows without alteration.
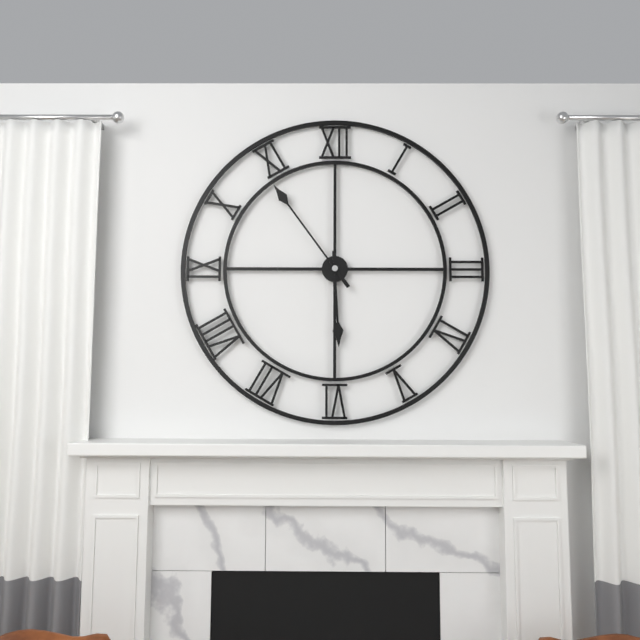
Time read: 5:54
